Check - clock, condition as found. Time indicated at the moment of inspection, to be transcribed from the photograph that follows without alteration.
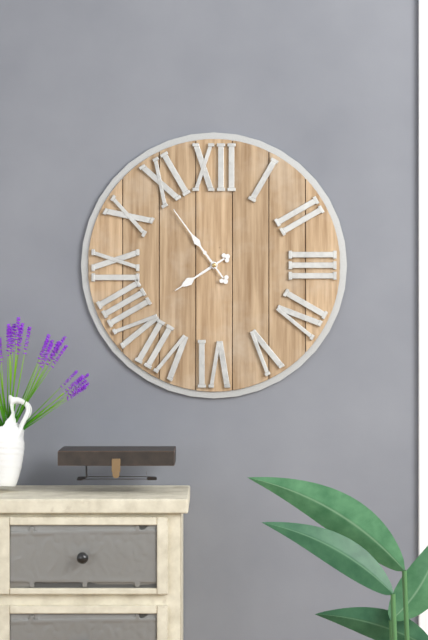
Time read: 7:54
